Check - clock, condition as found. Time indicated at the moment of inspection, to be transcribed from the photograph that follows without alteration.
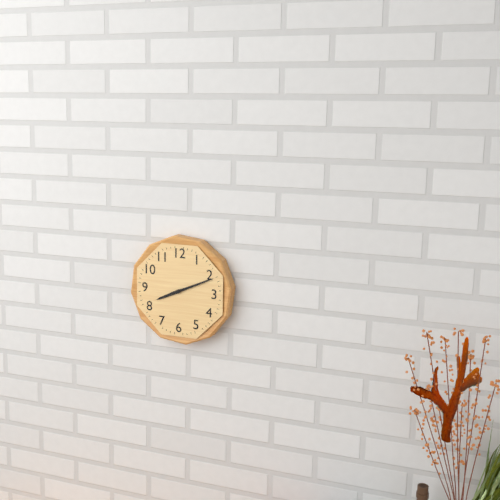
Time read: 8:11
